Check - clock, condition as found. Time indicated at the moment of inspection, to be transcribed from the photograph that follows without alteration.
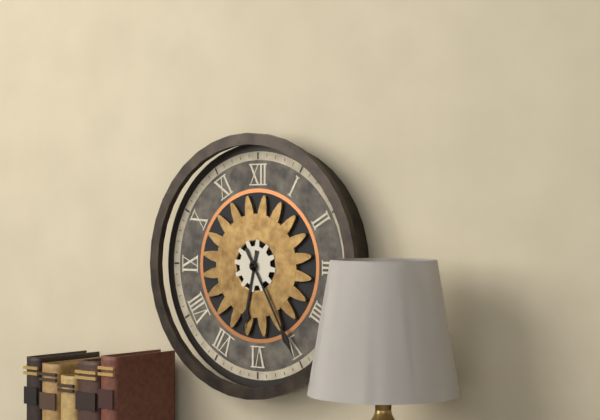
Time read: 6:25
